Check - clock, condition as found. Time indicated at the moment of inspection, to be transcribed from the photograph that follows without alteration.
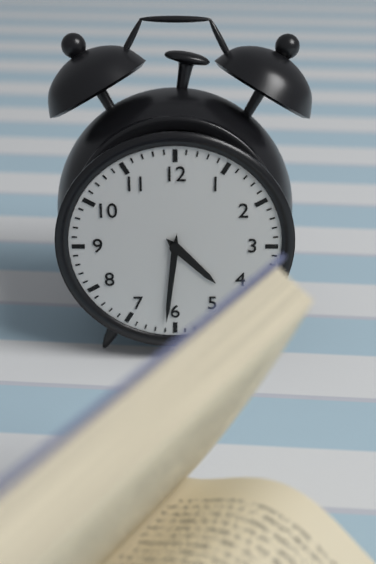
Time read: 4:31
